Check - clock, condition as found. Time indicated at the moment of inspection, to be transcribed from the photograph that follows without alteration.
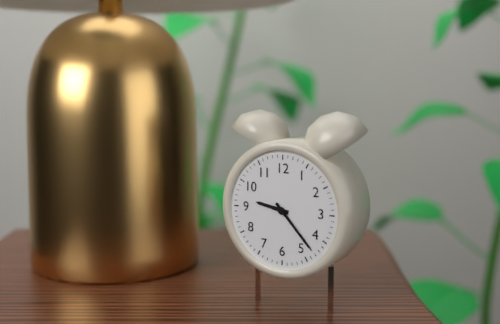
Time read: 9:23
